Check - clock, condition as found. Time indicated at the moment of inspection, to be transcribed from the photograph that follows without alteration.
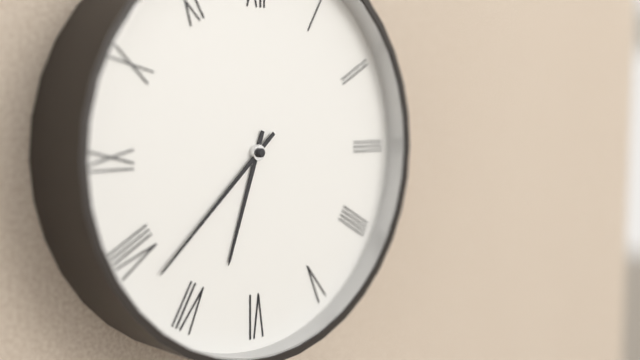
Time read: 6:38
